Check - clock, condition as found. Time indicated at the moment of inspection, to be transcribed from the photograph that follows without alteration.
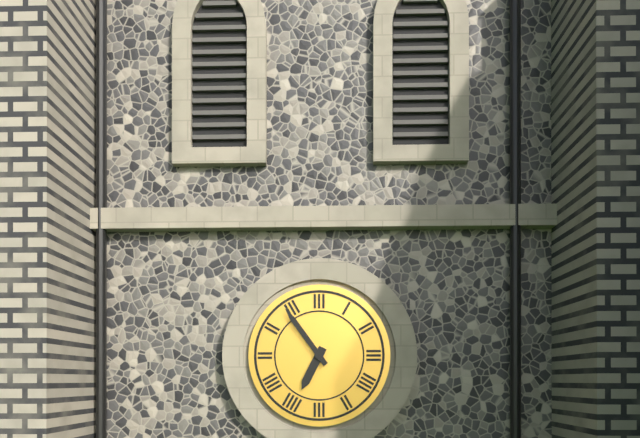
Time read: 6:54
